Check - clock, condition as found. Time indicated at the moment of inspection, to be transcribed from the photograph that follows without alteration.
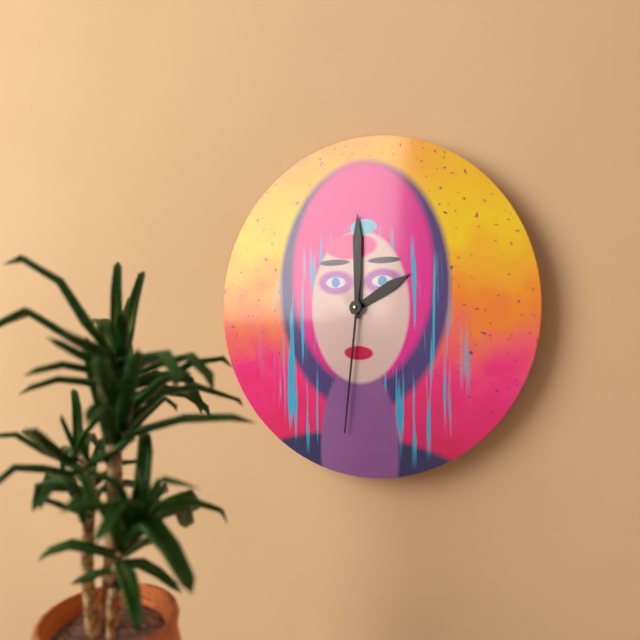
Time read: 2:00:31
